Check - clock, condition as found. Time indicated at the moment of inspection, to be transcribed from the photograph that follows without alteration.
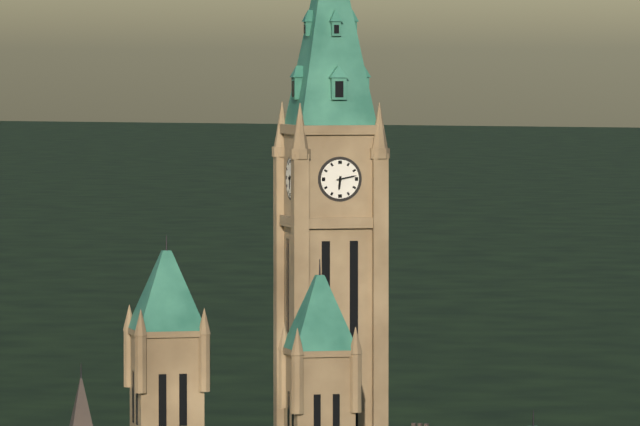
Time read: 6:13
